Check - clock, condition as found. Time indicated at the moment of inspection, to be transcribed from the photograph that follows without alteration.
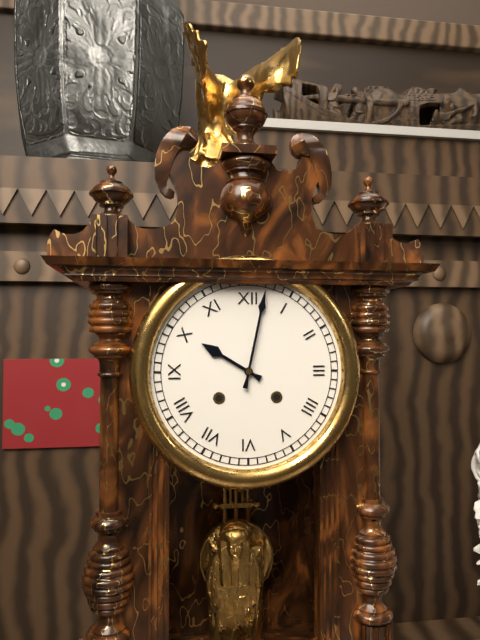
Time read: 10:02
